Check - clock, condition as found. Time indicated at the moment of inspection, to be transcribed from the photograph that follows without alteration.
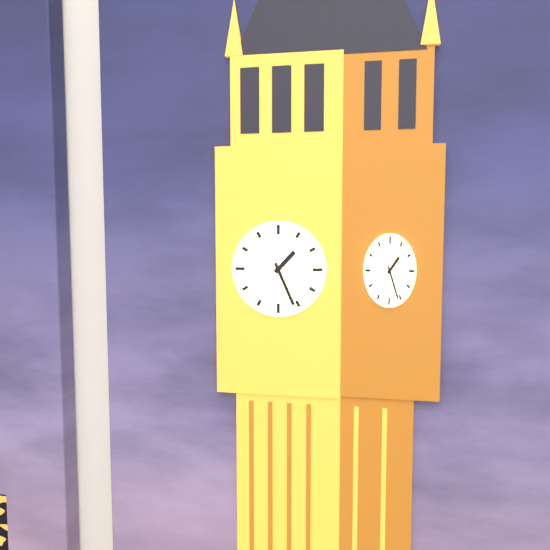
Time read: 1:26
